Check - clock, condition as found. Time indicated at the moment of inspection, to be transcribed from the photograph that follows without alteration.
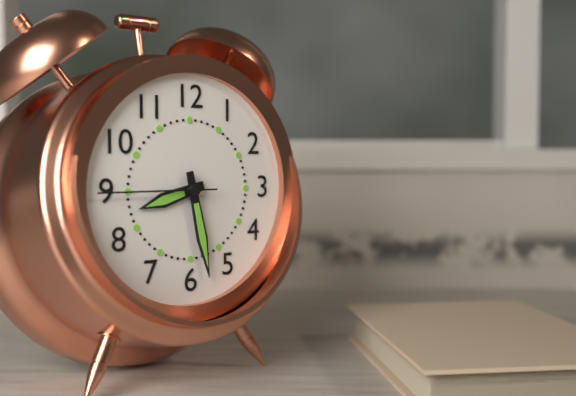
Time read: 8:28:45
